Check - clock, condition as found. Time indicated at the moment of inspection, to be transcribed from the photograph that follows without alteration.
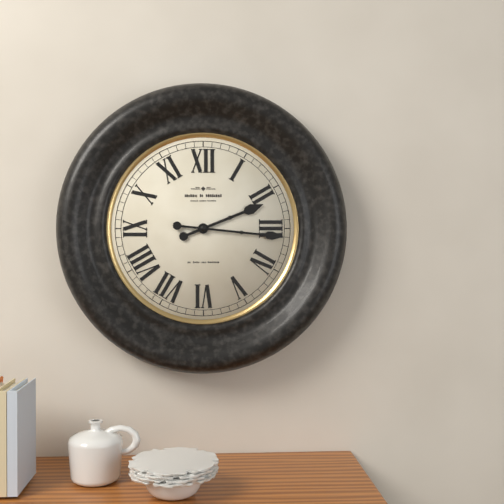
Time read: 2:16
